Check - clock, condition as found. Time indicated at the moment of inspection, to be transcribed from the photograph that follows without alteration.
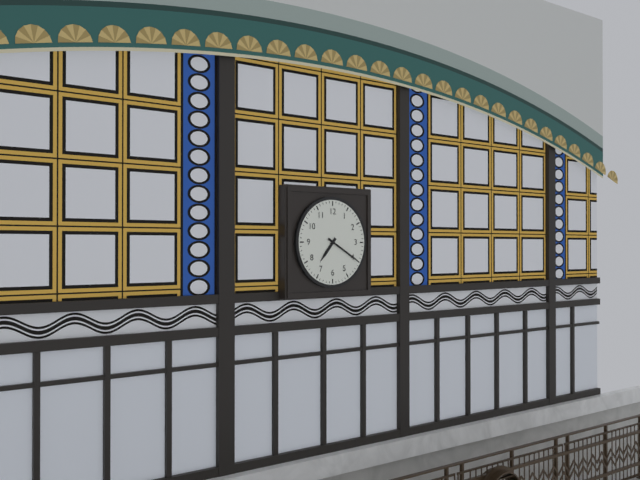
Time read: 7:20
